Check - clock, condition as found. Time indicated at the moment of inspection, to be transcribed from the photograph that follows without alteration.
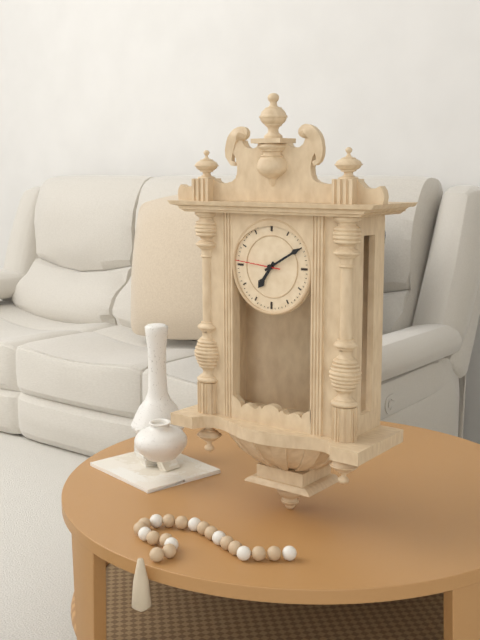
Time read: 7:10
